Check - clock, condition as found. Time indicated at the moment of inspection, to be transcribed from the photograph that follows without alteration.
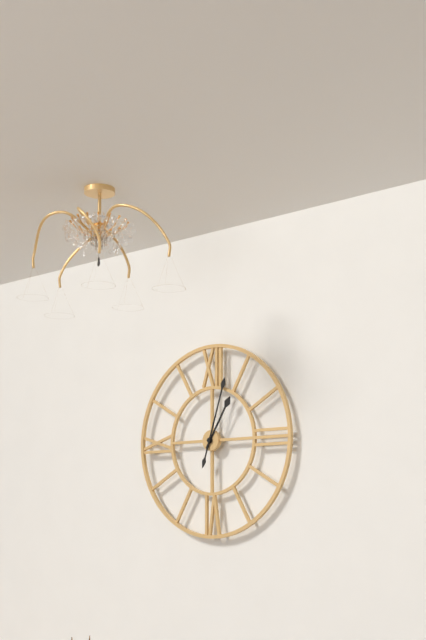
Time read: 1:03
